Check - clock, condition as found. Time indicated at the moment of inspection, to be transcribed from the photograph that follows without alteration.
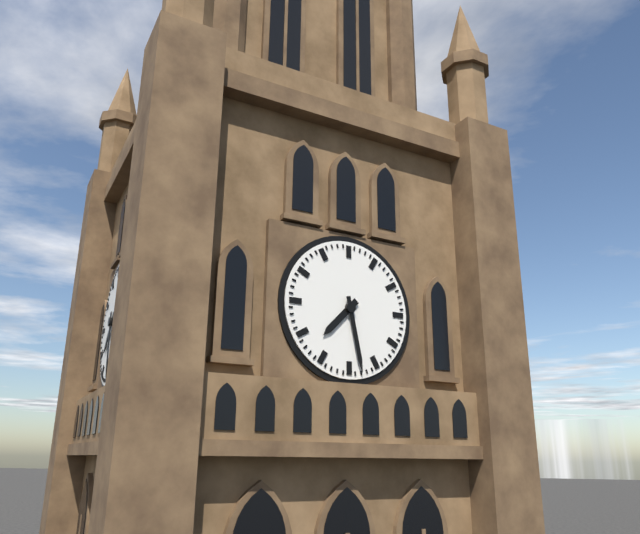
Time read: 7:28
